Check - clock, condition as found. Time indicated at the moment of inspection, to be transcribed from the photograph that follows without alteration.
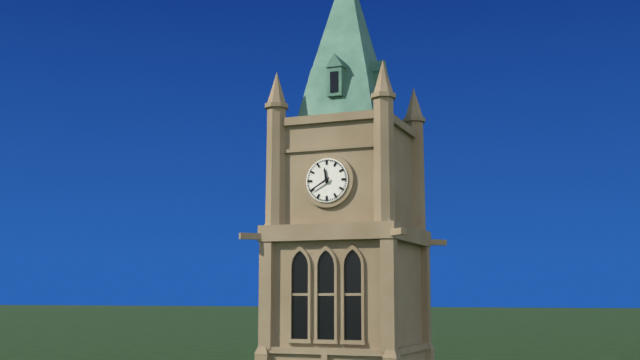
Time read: 11:40
